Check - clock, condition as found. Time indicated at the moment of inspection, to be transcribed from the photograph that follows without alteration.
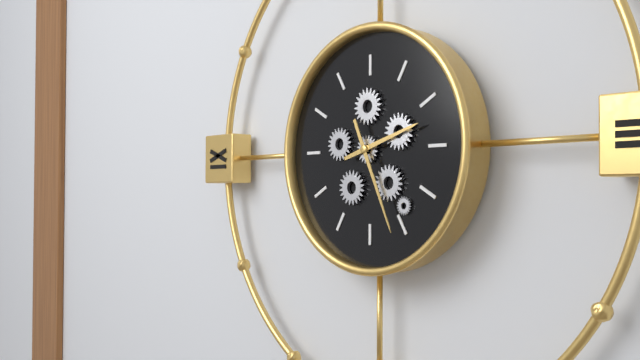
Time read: 2:26
